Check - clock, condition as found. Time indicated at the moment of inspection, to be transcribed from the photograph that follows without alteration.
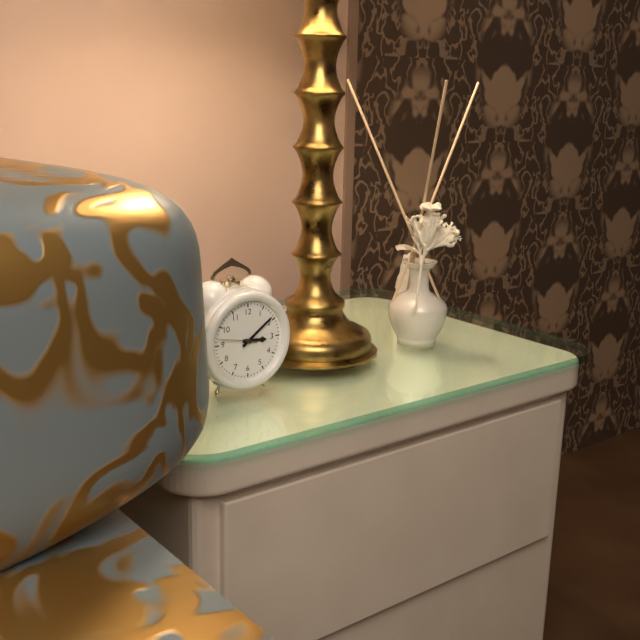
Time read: 3:09
